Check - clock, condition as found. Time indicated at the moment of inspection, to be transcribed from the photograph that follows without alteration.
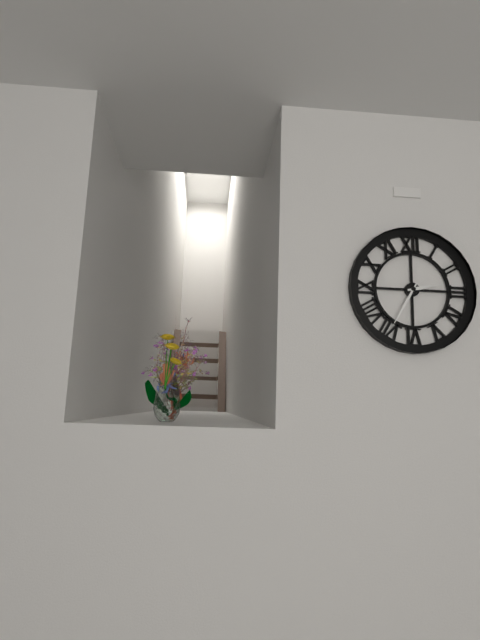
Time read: 2:35
